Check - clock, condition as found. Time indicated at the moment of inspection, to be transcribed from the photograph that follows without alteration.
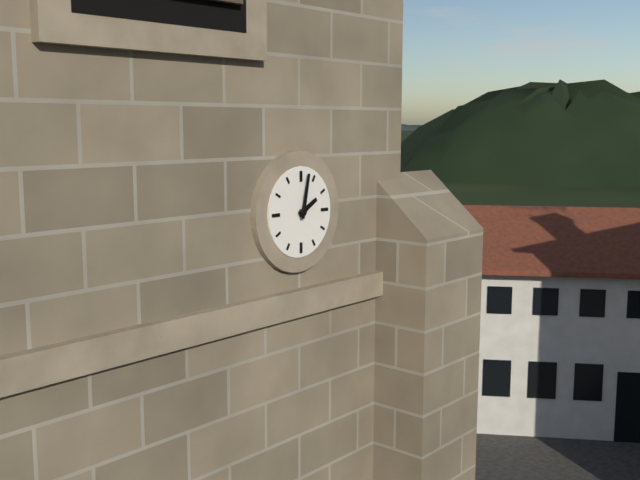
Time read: 2:02
